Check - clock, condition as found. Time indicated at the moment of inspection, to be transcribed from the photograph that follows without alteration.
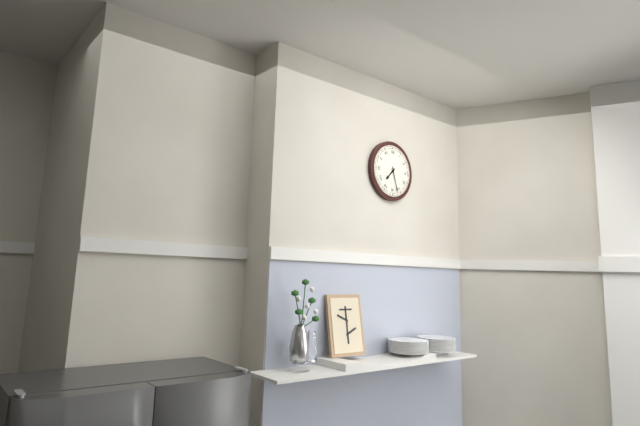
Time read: 7:27
